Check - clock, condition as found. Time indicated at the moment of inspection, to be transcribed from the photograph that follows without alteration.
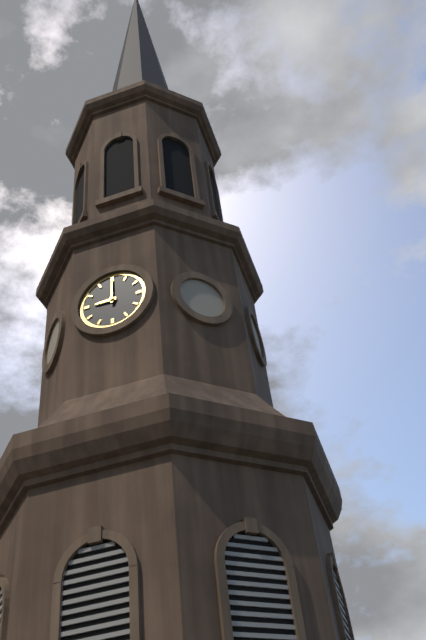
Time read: 9:00
